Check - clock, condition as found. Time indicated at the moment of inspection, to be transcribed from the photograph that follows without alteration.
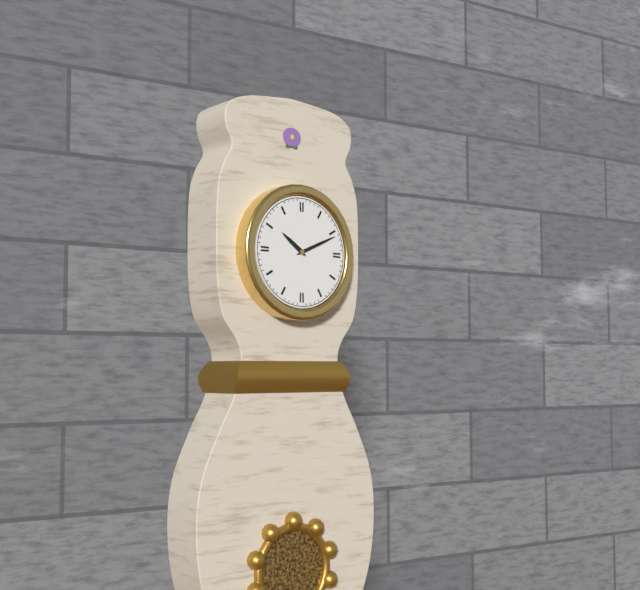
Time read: 10:11
